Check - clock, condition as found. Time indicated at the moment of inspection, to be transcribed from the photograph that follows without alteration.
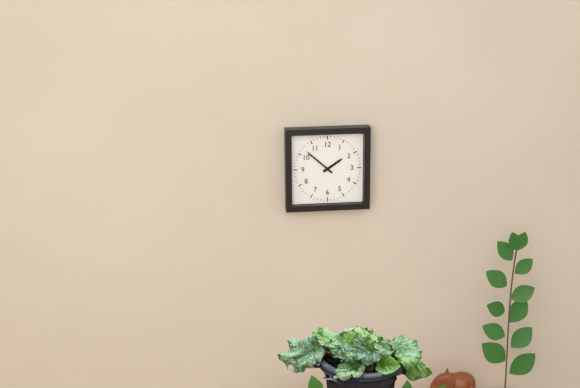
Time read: 1:52
